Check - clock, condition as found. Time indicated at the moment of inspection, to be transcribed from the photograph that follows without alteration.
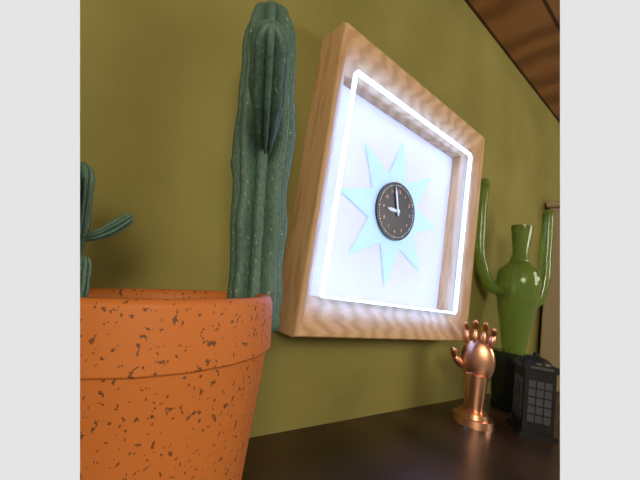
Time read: 8:57
